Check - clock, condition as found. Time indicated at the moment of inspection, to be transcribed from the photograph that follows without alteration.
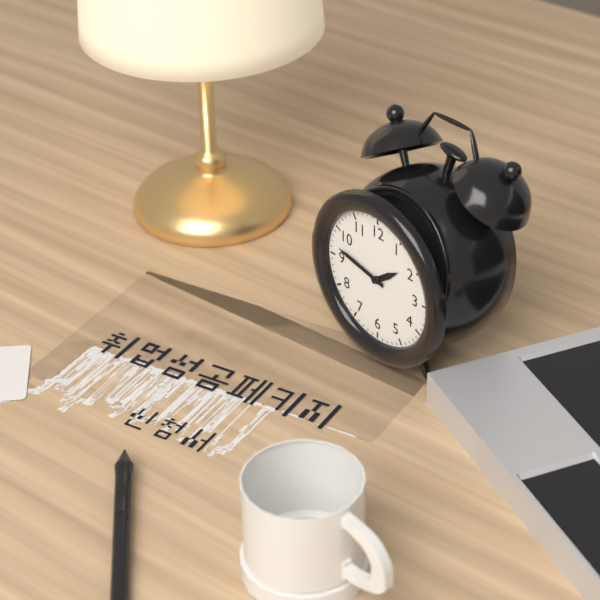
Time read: 1:47
